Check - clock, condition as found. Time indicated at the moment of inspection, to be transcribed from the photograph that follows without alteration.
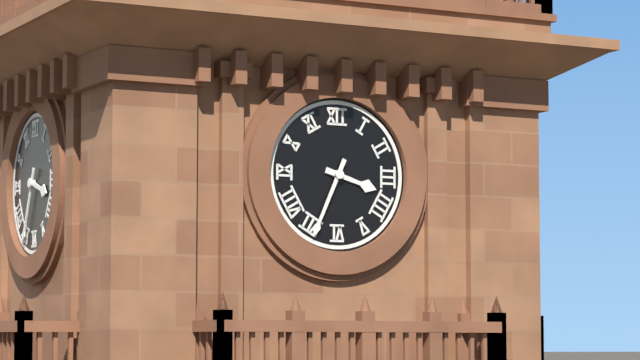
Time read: 3:34
